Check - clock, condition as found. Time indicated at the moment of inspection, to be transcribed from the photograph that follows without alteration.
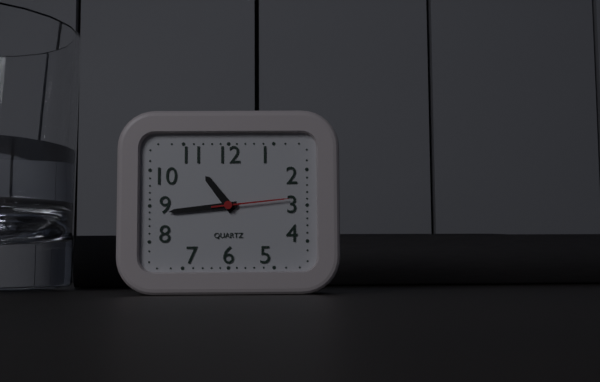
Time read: 10:44:14
